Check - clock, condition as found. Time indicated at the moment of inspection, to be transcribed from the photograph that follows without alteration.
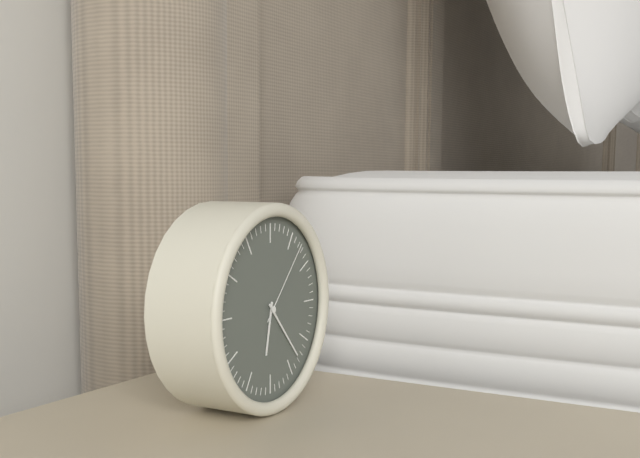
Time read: 6:23:07
